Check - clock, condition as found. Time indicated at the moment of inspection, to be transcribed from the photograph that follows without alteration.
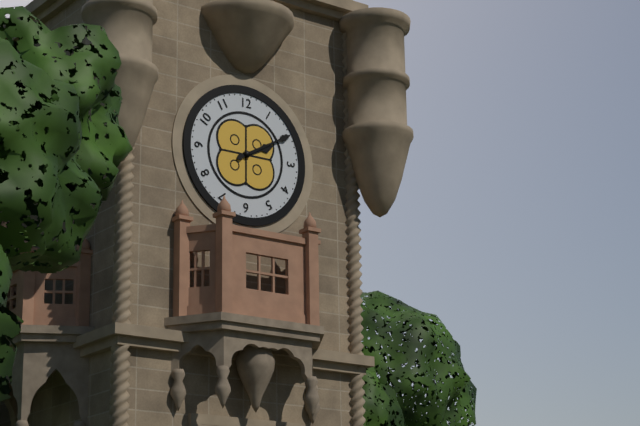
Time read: 2:10
